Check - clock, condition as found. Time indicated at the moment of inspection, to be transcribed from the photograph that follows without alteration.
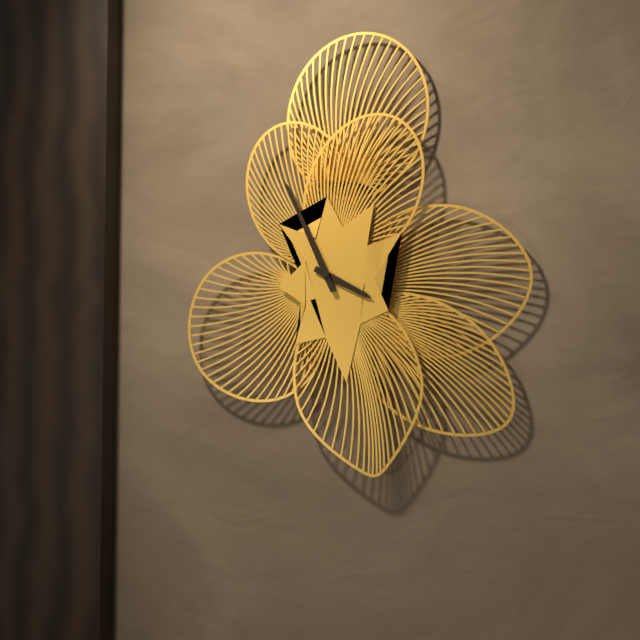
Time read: 3:56
